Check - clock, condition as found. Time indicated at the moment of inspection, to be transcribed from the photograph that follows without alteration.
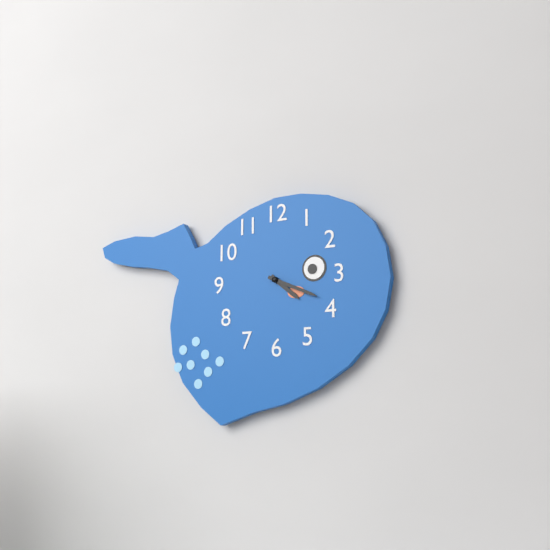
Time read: 4:19
